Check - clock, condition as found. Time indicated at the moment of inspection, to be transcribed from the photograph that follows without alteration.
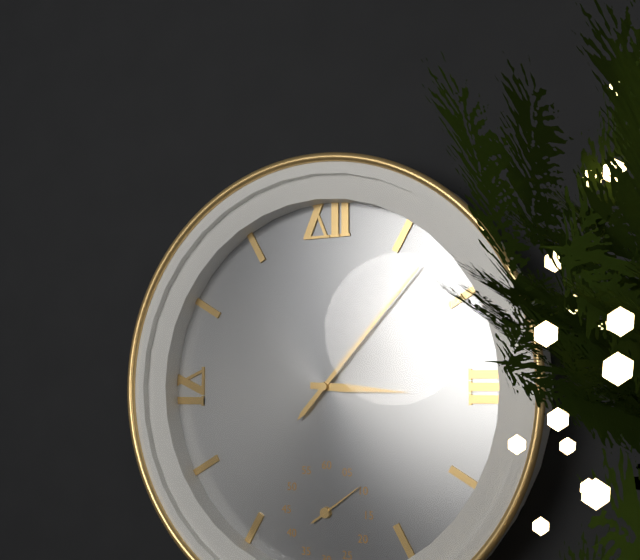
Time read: 3:07
